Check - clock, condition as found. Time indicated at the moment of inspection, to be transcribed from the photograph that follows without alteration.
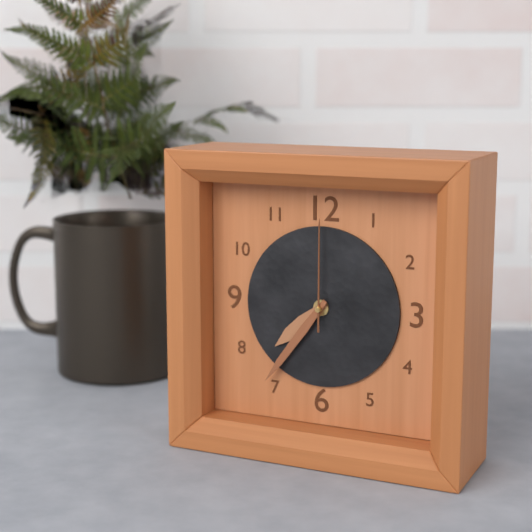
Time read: 7:36:00
